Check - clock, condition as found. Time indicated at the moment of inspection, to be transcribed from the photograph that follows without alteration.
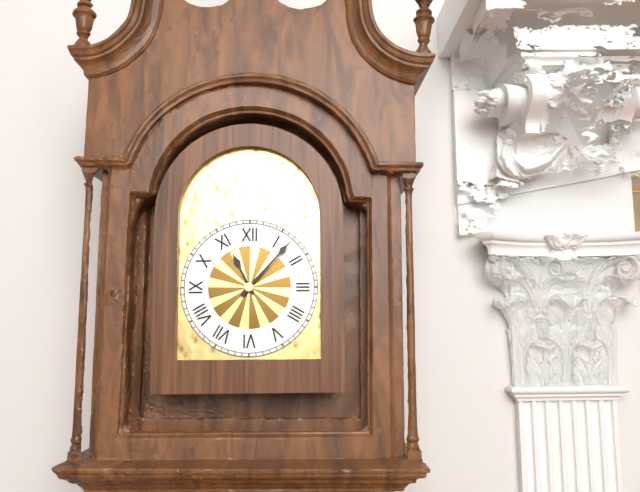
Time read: 11:07
